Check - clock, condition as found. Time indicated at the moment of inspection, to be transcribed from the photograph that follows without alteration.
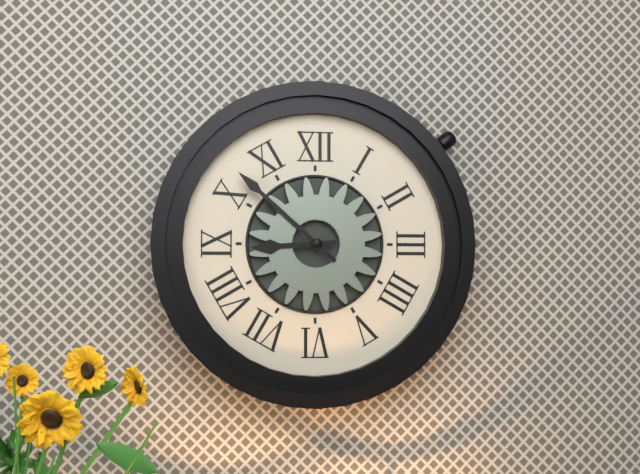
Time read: 8:52
